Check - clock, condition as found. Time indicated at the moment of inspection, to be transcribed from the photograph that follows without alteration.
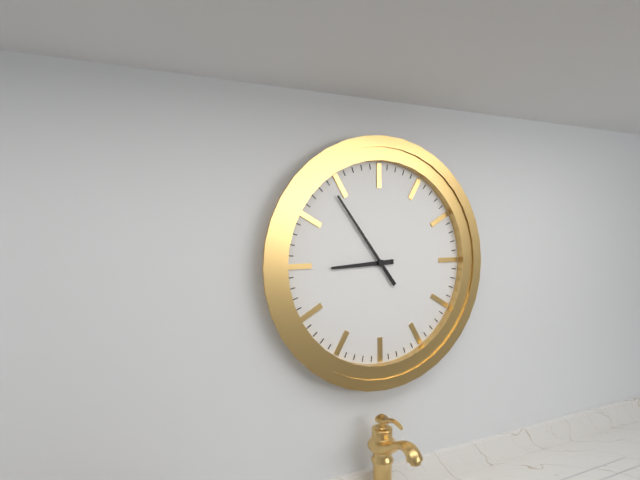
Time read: 8:54
